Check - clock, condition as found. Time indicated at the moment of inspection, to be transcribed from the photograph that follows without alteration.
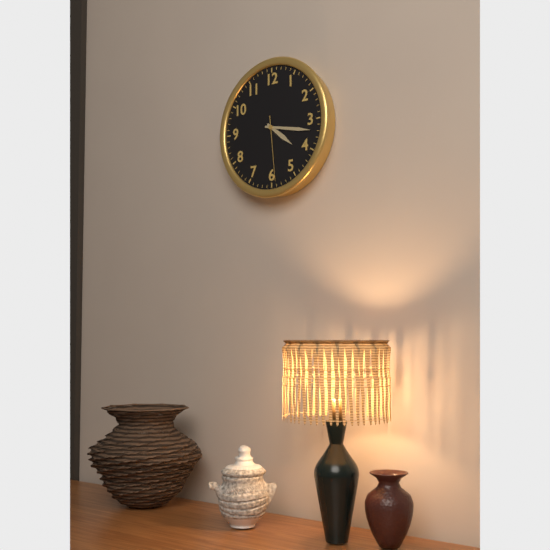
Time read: 4:17:29
